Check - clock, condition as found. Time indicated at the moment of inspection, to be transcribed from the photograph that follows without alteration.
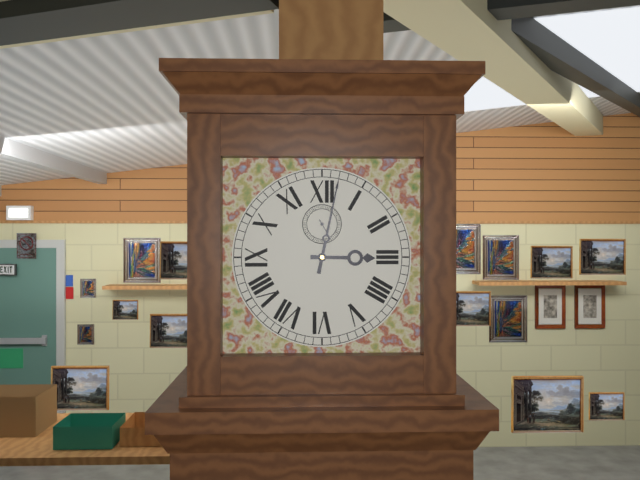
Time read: 3:02
